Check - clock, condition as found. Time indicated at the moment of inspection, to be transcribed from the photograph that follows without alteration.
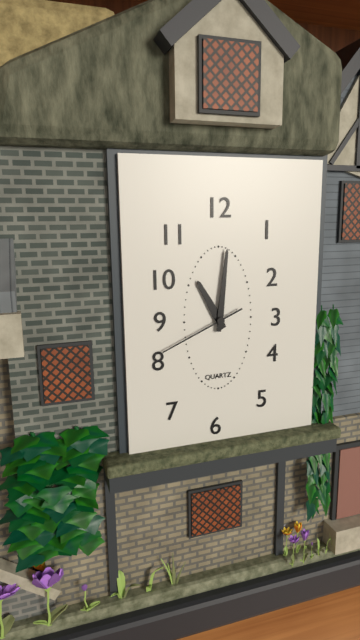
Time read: 11:01:41
